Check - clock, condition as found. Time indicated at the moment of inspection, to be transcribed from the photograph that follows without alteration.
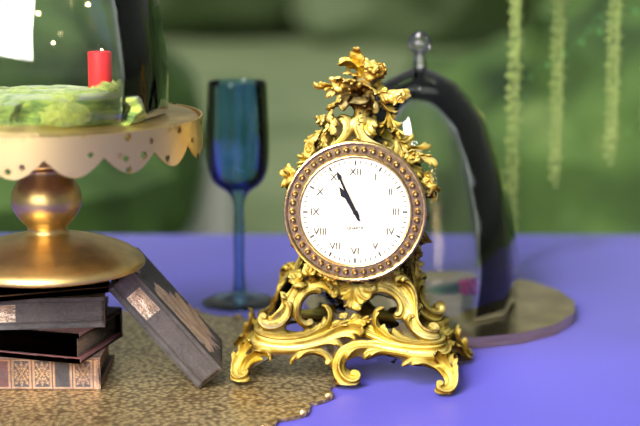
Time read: 10:56
